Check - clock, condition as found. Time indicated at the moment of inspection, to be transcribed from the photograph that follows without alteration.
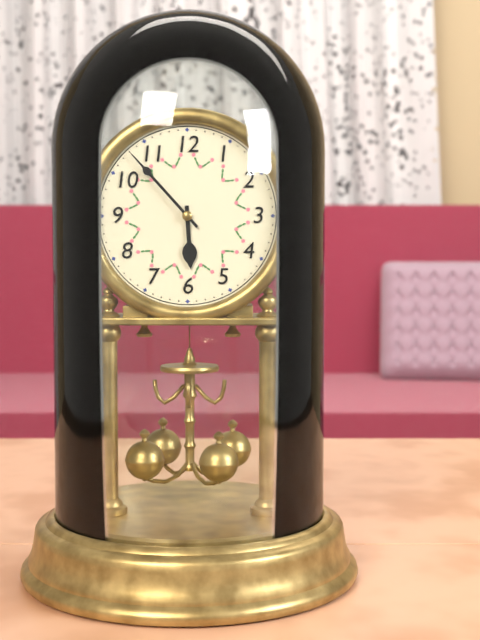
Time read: 5:53
